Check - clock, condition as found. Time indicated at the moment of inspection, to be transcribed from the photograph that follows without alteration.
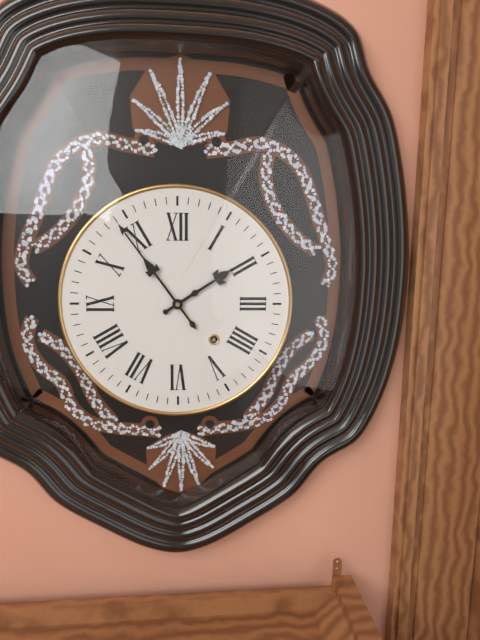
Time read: 1:54
